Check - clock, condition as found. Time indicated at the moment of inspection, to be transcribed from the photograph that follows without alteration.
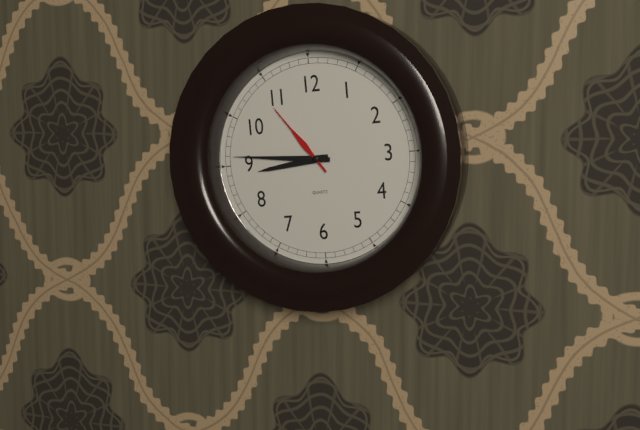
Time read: 8:46:54
